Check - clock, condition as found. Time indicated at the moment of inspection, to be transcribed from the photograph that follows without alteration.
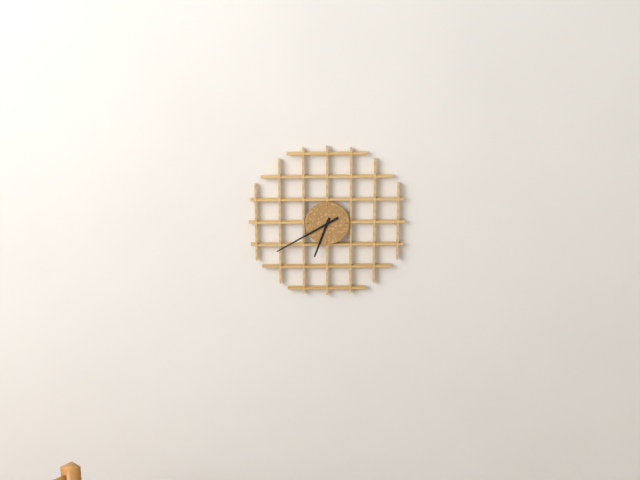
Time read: 6:40
